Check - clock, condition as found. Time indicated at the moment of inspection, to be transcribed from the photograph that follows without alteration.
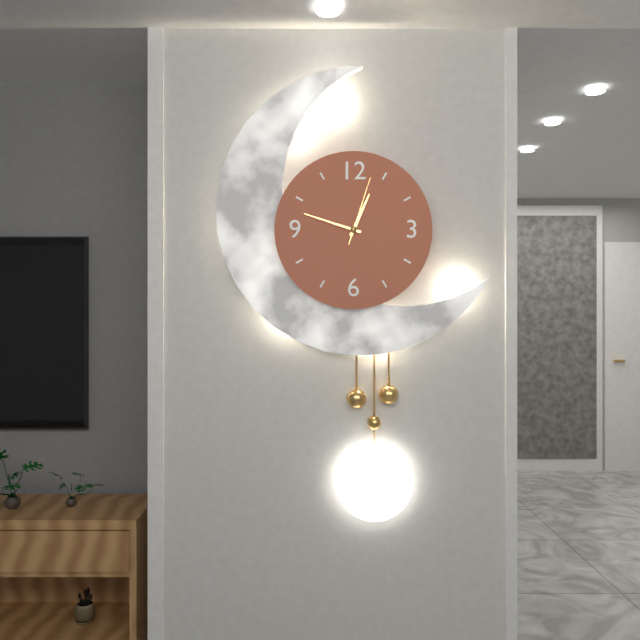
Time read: 12:48:03
